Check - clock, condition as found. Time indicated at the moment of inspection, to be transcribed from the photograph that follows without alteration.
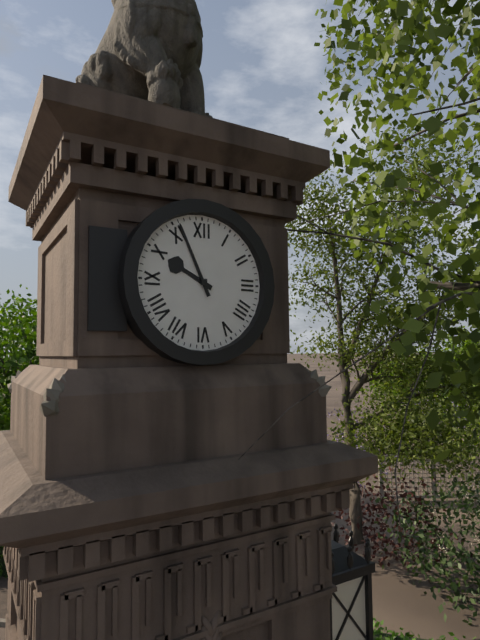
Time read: 9:56
